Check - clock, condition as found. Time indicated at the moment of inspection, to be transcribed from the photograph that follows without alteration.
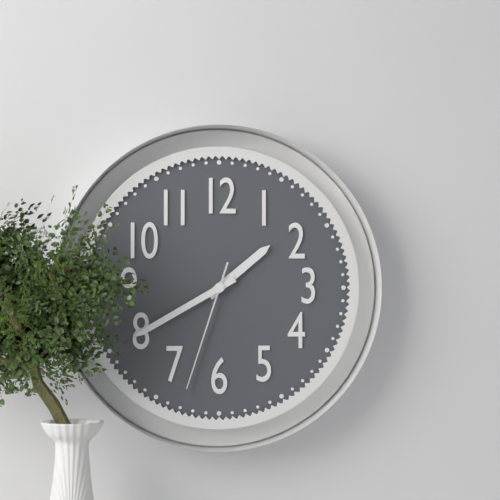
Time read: 1:40:33
